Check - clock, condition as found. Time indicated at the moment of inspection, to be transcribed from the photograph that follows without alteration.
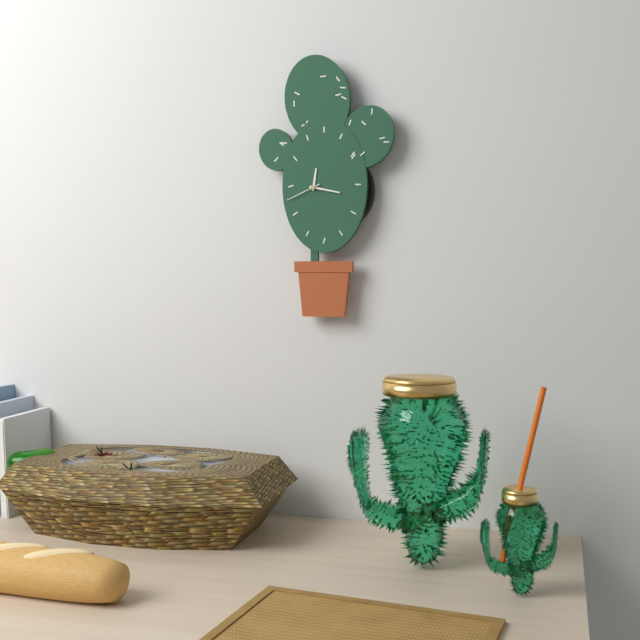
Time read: 12:17
